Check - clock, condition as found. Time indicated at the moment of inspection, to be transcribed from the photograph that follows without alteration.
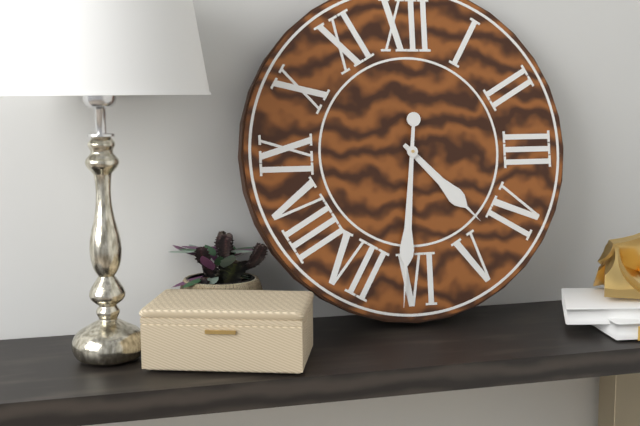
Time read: 4:31
